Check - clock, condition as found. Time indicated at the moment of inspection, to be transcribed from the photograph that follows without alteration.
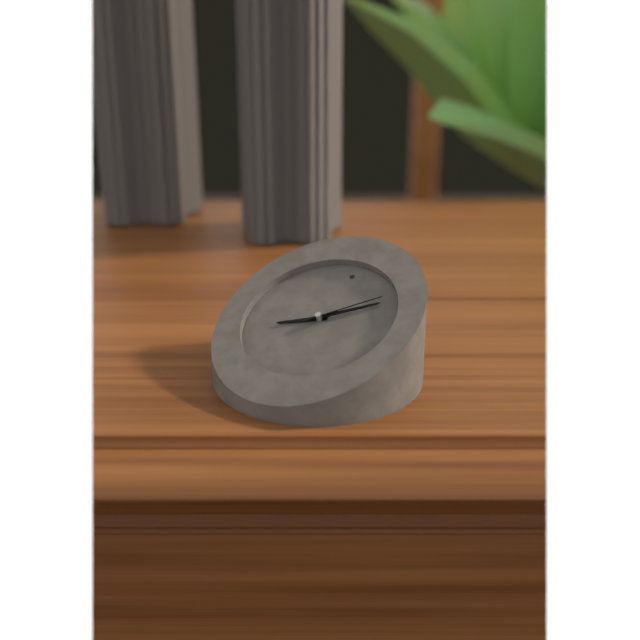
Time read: 8:09:08
